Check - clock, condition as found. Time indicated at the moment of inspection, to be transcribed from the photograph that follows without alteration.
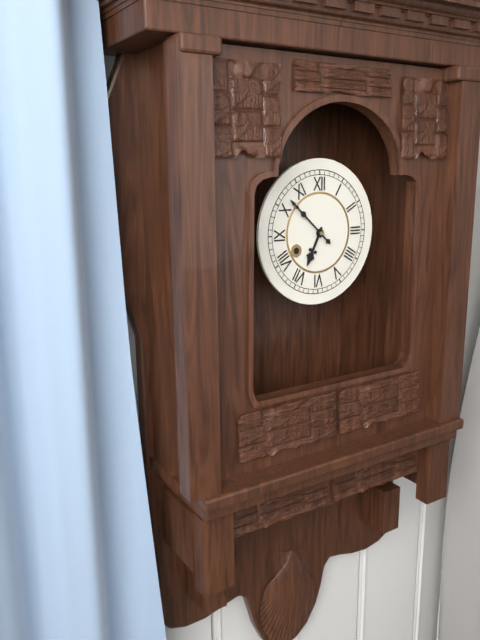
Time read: 6:52
